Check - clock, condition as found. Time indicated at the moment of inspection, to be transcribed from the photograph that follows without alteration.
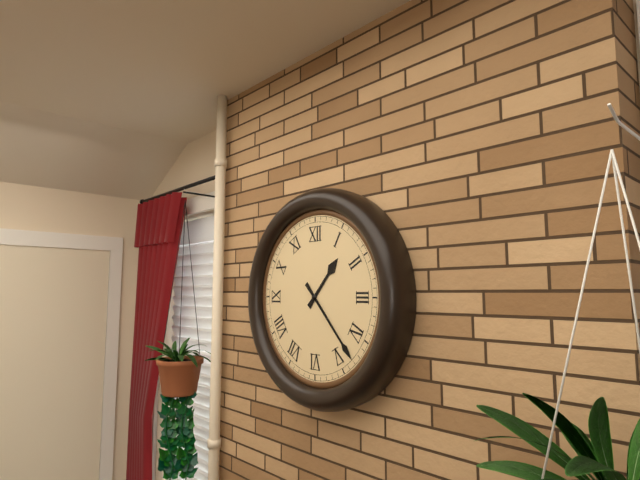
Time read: 1:23
